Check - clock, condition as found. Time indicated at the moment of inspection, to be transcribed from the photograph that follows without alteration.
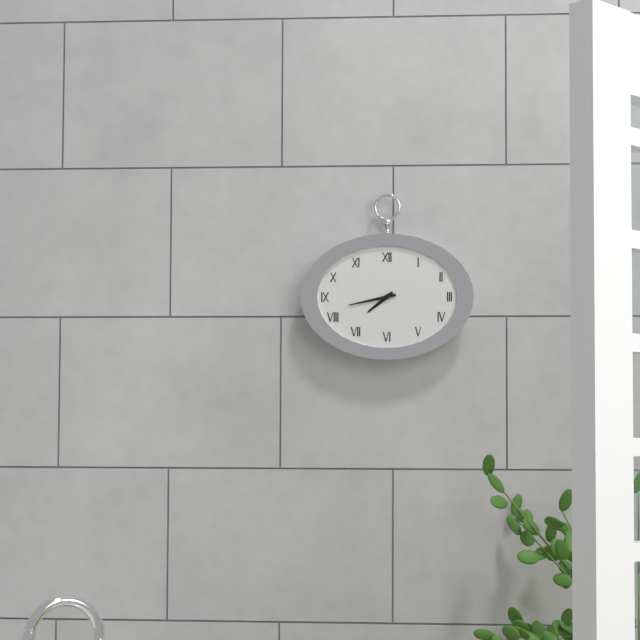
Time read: 7:43
